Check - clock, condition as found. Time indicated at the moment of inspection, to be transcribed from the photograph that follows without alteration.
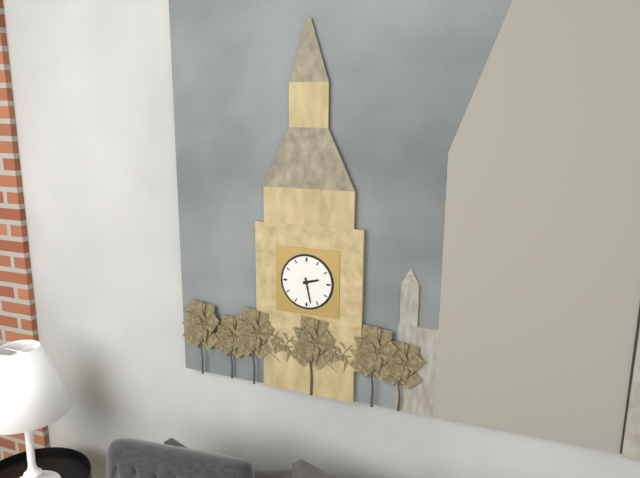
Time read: 2:28
